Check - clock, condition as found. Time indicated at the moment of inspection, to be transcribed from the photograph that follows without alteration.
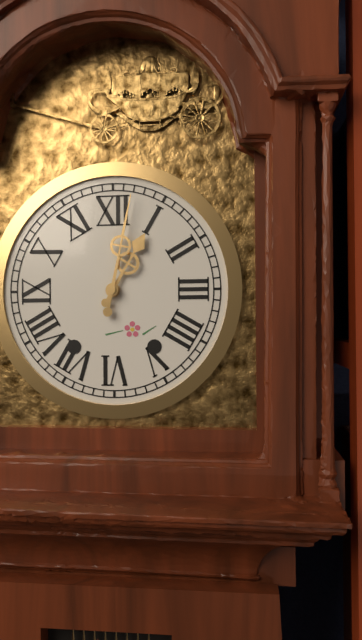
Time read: 1:02
